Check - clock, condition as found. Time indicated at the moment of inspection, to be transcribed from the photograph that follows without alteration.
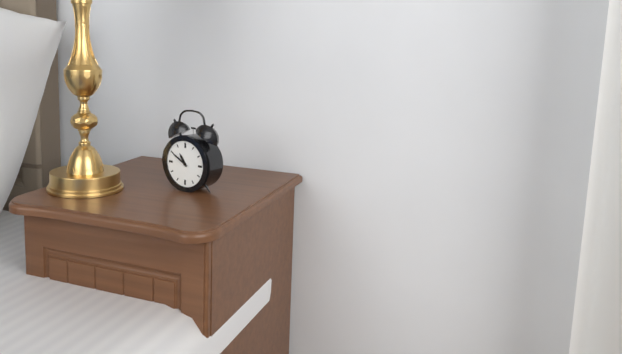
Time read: 10:50
